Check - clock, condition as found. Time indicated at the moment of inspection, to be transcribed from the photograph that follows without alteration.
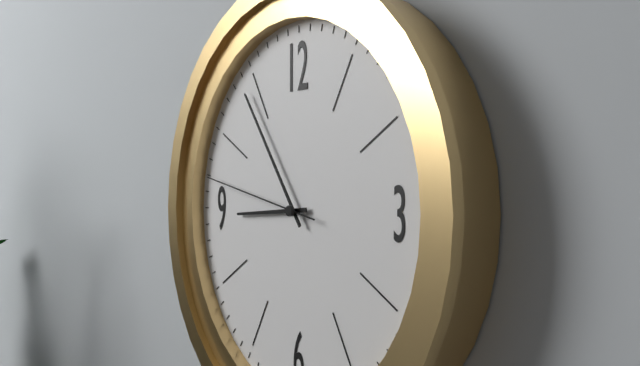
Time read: 8:54:47
